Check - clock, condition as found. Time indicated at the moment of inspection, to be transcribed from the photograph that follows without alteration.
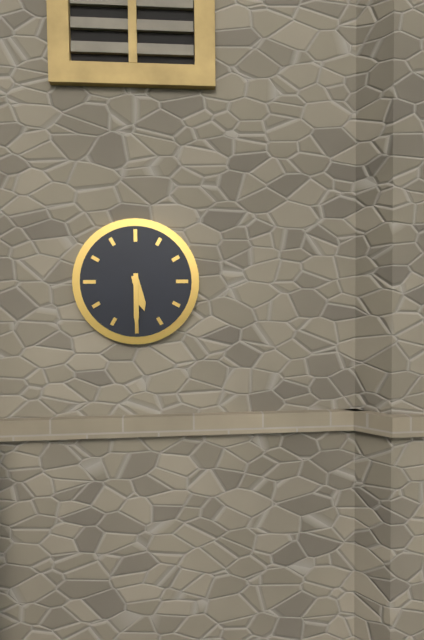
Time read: 5:30
